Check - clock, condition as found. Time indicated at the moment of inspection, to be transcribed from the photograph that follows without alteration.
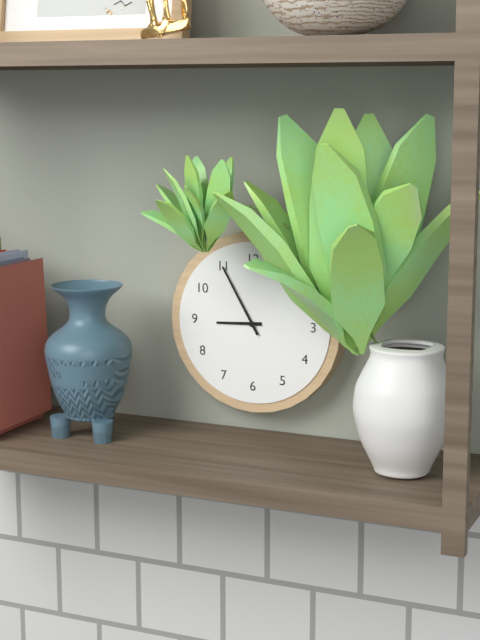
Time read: 8:55
